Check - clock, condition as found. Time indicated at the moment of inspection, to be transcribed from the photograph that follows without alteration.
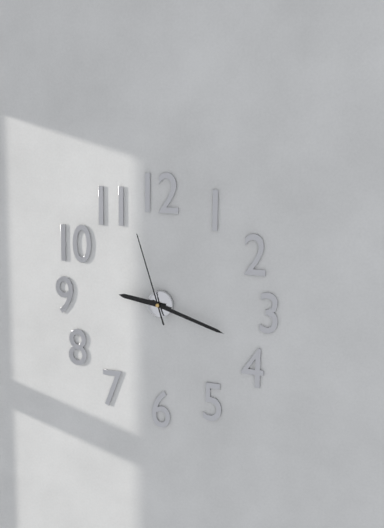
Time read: 9:18:57
